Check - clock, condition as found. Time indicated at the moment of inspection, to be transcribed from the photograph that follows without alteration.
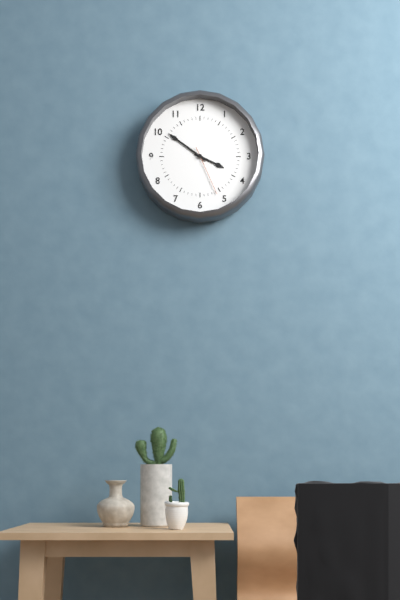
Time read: 3:51:26
